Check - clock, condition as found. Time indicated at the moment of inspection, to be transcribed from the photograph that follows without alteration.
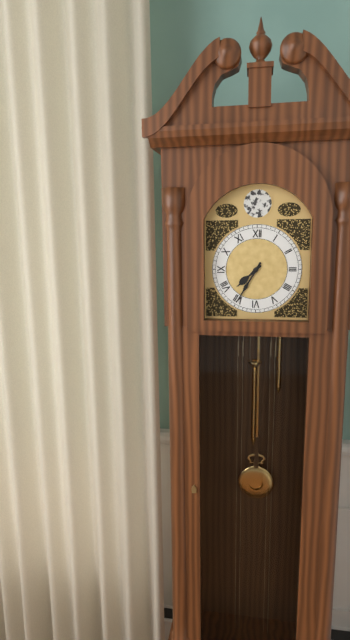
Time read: 7:35
